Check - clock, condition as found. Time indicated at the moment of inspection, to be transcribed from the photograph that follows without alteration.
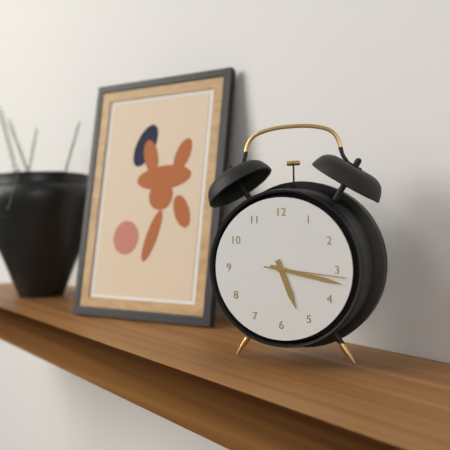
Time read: 5:17:16
